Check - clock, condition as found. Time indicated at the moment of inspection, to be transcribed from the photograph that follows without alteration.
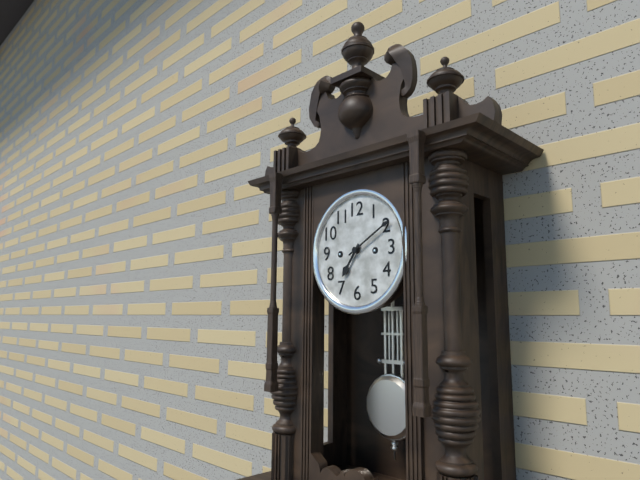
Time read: 7:10
